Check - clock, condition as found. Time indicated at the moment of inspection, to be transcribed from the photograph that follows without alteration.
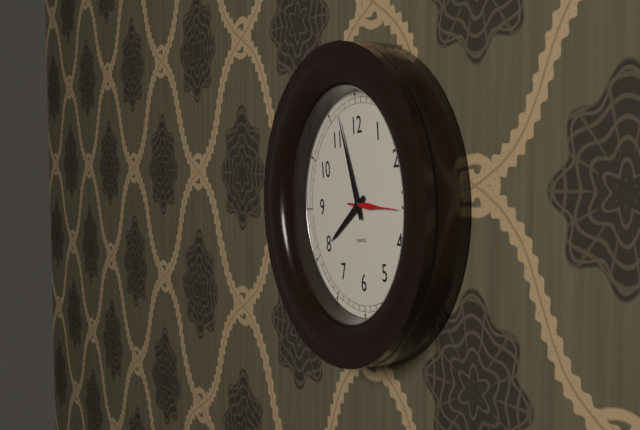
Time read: 7:57
